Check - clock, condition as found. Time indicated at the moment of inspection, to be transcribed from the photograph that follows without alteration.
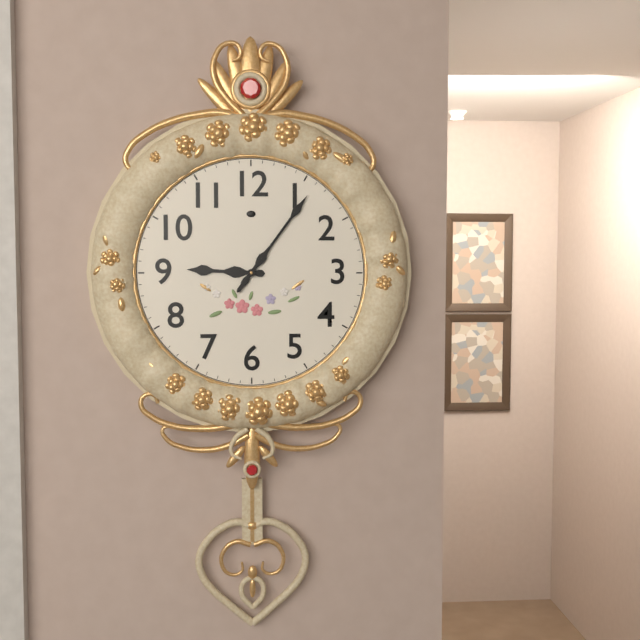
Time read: 9:06:06
